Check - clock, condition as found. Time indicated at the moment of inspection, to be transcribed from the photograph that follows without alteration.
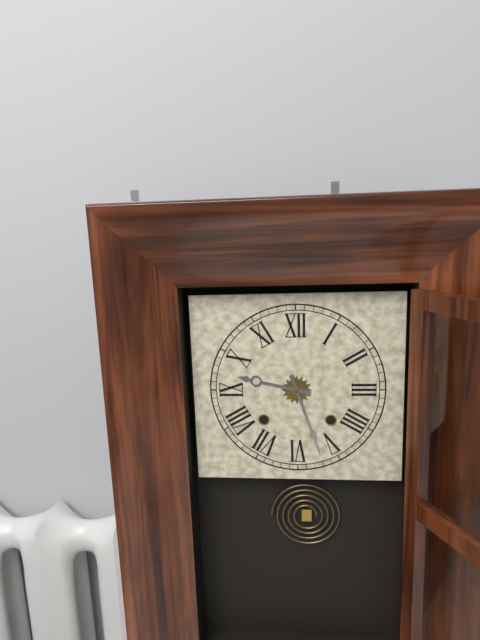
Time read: 9:27
